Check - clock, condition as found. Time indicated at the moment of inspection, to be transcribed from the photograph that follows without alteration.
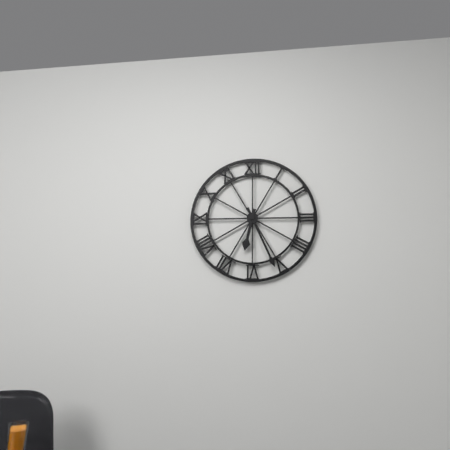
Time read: 6:26
